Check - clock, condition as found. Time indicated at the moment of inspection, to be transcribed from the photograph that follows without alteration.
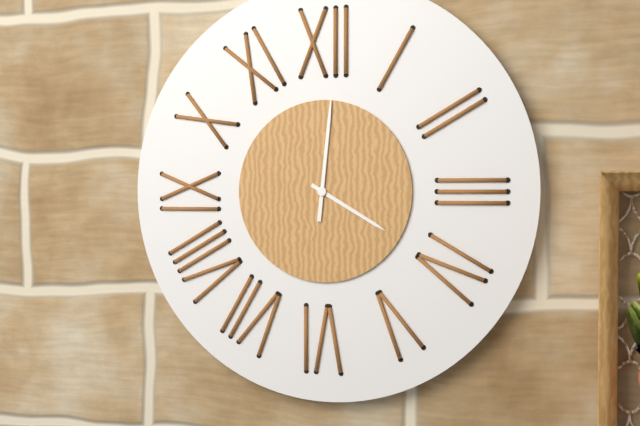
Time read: 4:01
